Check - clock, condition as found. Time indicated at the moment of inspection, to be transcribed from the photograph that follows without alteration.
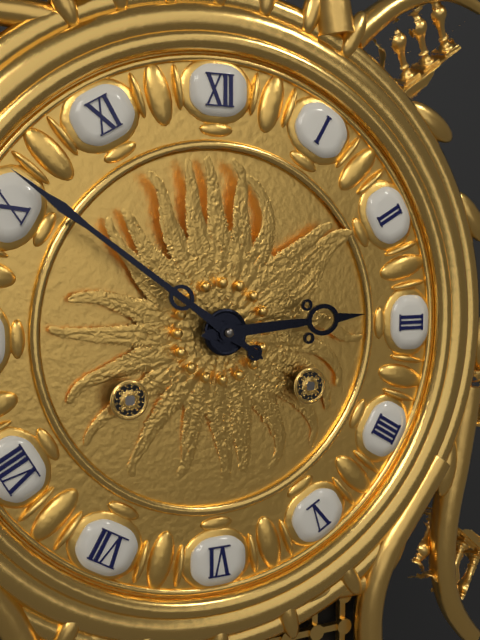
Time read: 2:51
